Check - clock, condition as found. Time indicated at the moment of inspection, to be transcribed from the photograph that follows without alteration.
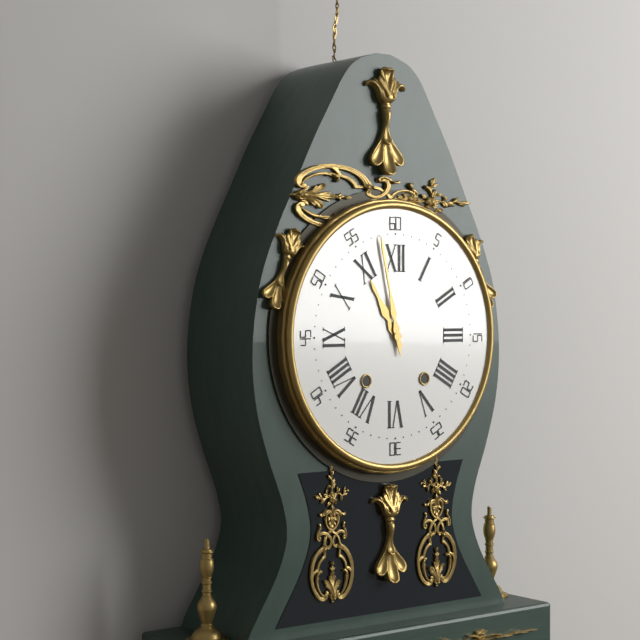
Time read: 10:58
